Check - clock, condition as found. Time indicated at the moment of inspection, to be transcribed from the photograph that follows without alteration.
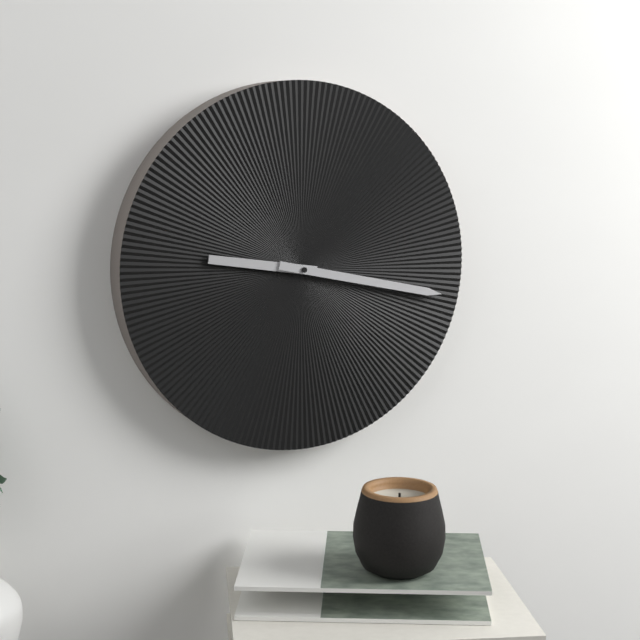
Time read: 9:17
